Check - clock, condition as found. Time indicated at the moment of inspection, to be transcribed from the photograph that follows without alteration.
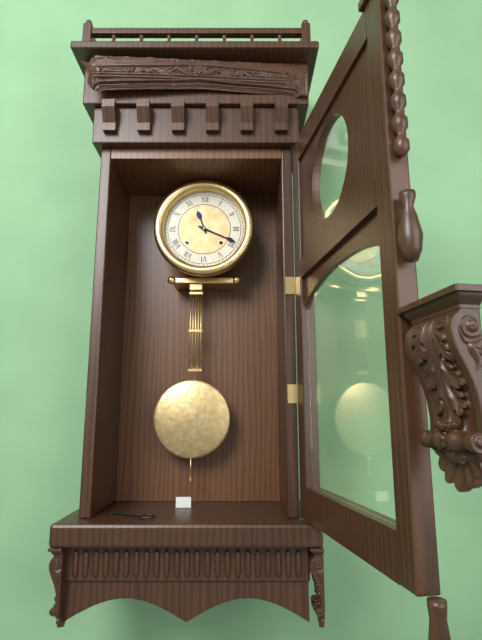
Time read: 11:19
